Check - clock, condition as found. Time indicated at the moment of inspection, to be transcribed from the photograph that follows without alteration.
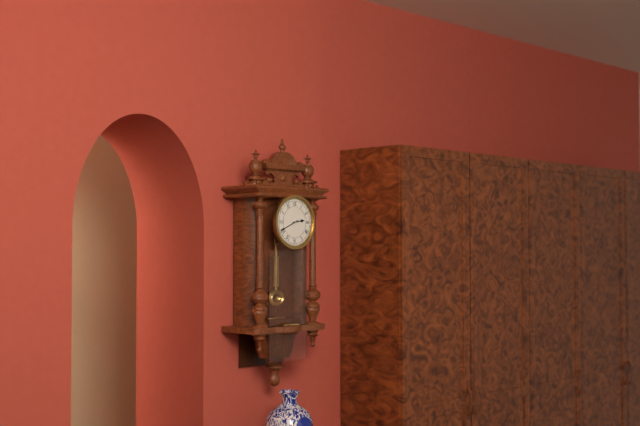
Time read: 2:41
